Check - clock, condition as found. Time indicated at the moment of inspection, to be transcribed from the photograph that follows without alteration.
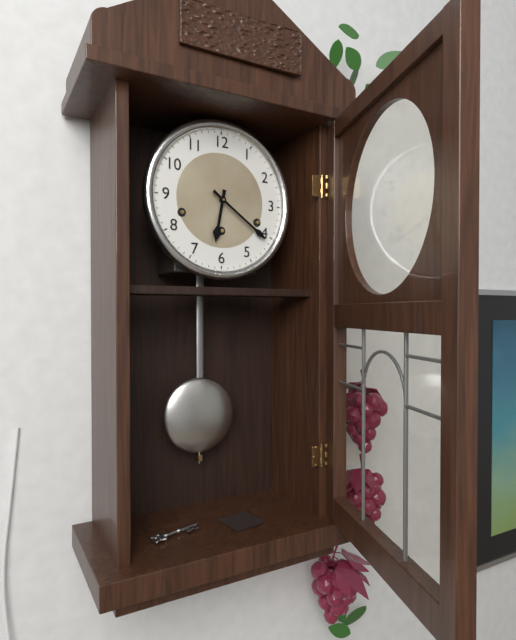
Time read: 6:21
